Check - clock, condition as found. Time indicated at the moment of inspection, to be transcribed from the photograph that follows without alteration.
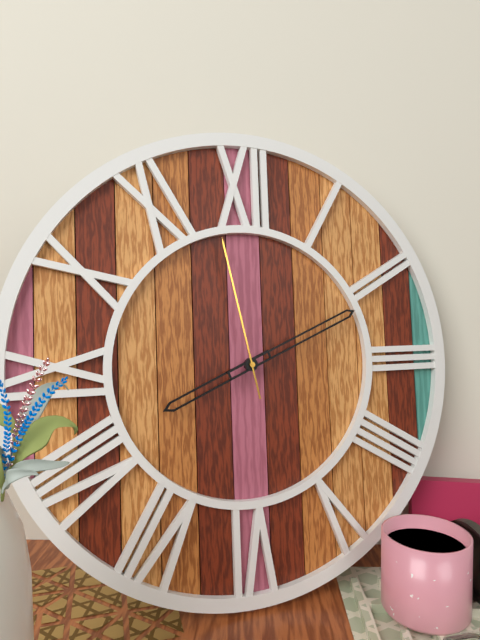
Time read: 8:11:58
